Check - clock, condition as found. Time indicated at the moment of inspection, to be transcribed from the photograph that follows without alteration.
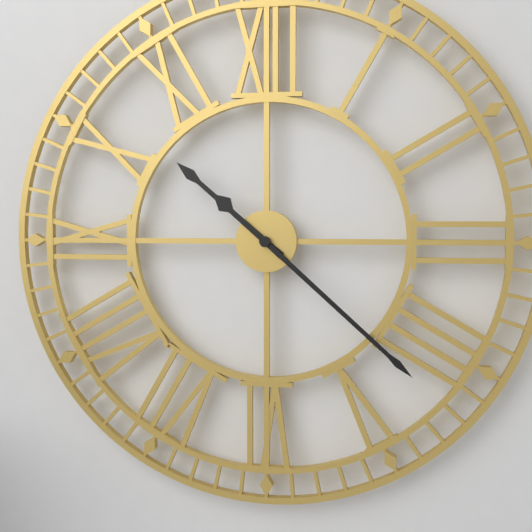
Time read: 10:22
